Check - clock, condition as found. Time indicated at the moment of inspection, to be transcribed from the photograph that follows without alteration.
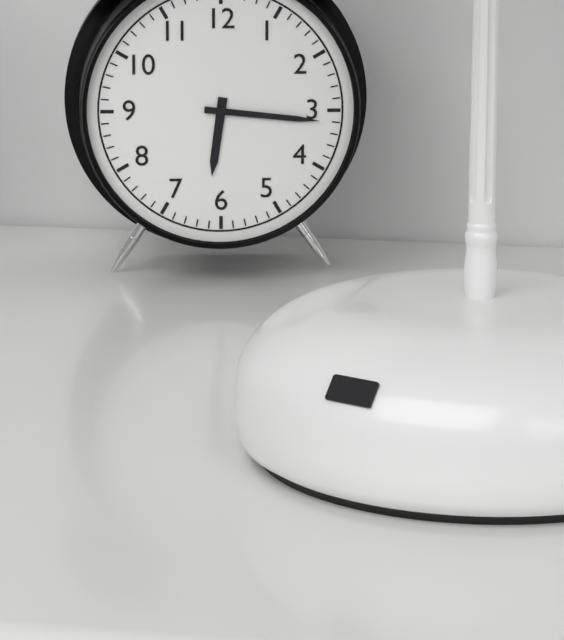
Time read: 6:16
